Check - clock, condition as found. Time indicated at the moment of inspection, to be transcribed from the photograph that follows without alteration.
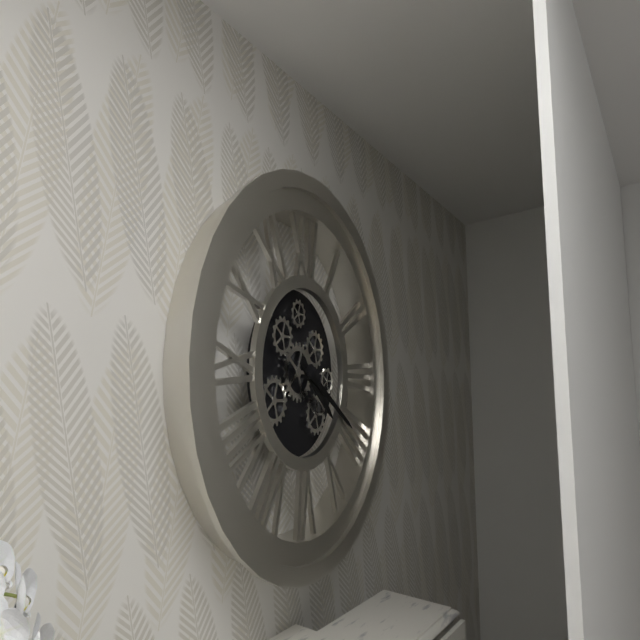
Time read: 4:20
